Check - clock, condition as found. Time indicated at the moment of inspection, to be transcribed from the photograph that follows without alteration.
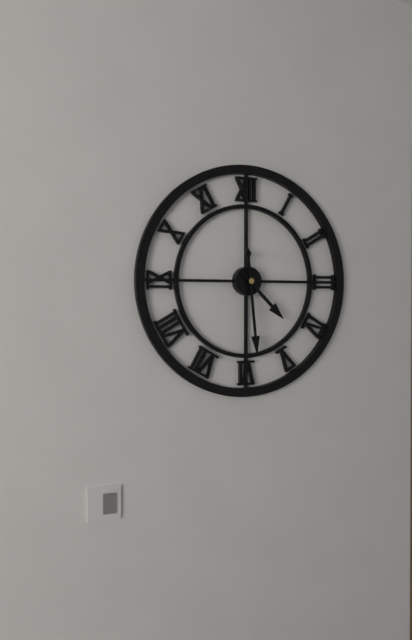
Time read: 4:29
